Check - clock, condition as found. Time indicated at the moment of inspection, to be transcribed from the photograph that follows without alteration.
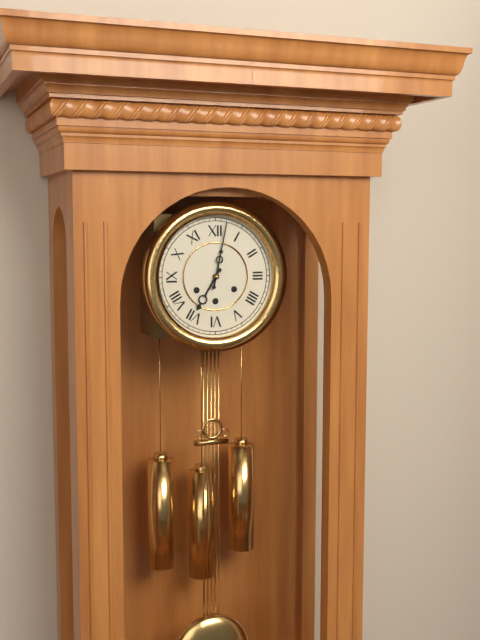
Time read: 7:02
